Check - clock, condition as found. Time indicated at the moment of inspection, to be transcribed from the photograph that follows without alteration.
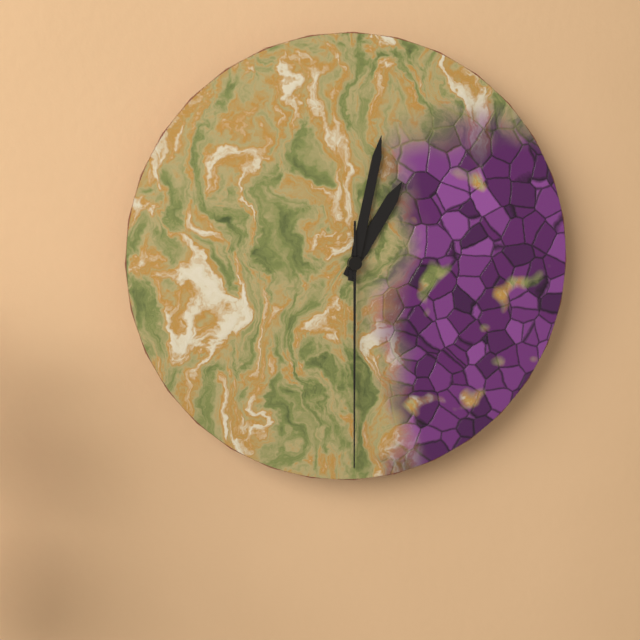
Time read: 1:02:30
